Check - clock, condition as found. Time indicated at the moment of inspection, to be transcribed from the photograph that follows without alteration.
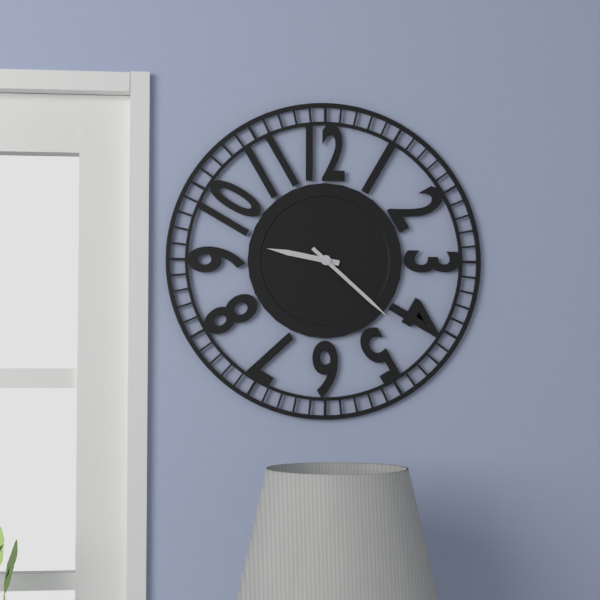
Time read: 9:22
